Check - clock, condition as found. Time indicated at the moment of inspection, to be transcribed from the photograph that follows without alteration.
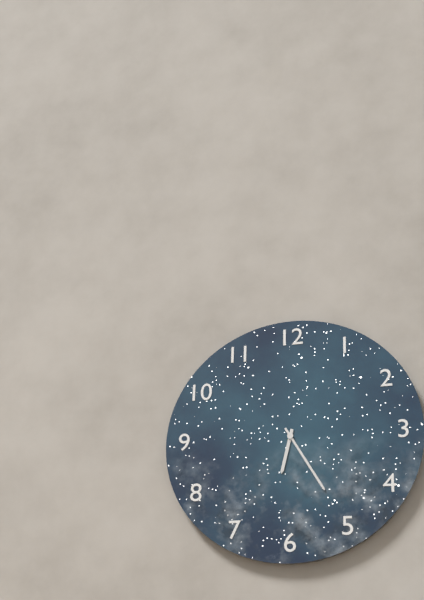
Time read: 6:25
